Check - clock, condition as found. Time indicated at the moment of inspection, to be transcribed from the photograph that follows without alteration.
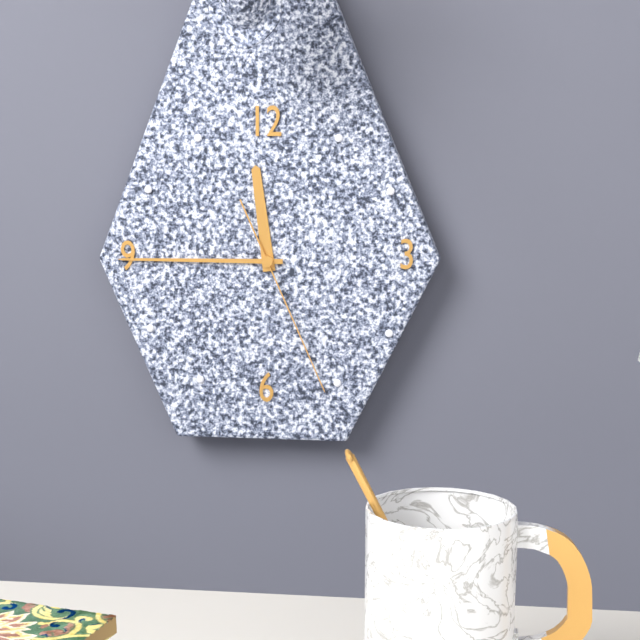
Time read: 11:45:26
